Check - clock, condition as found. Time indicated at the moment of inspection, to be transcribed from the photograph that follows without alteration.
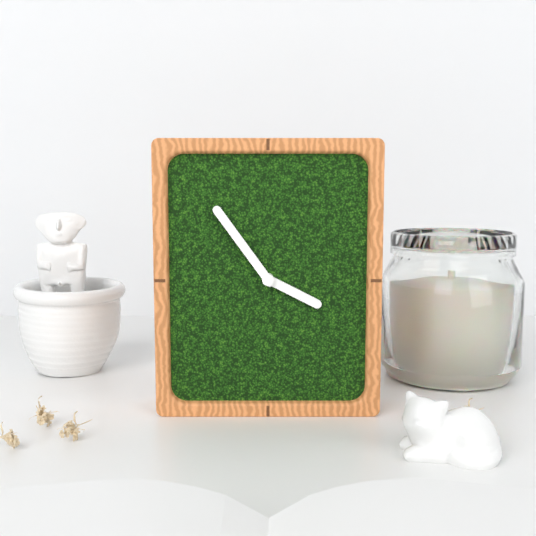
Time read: 3:54
